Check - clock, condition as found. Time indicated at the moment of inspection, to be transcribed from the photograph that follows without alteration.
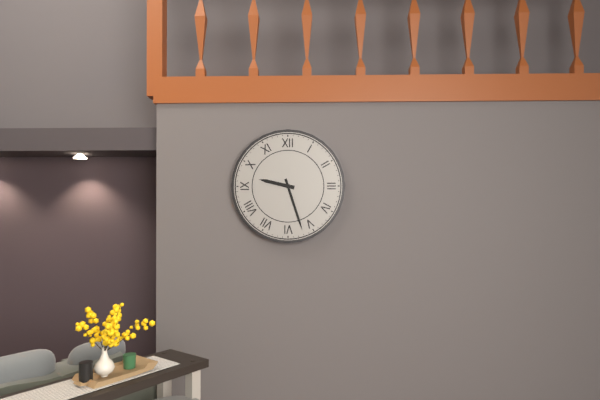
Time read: 9:27
